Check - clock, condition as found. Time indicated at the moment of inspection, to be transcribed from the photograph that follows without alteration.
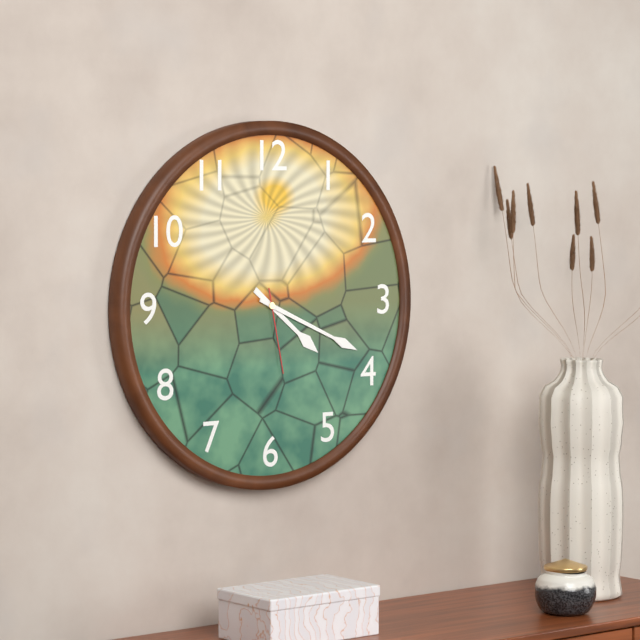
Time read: 4:19:28
